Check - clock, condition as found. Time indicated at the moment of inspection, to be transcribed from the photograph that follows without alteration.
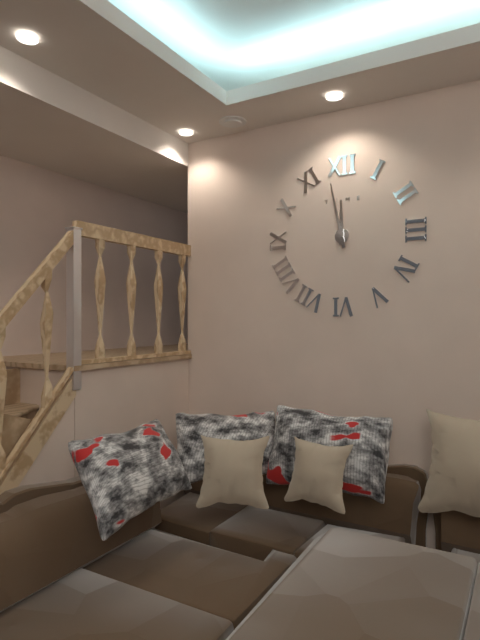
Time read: 11:58
